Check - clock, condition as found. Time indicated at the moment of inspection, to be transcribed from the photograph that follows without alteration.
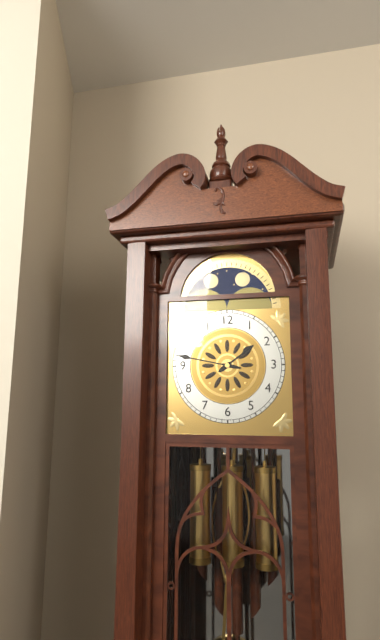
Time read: 1:47
